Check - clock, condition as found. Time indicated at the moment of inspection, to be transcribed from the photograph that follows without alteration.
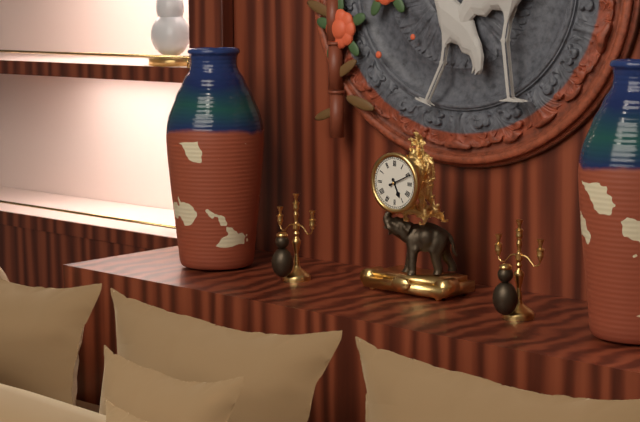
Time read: 5:11
